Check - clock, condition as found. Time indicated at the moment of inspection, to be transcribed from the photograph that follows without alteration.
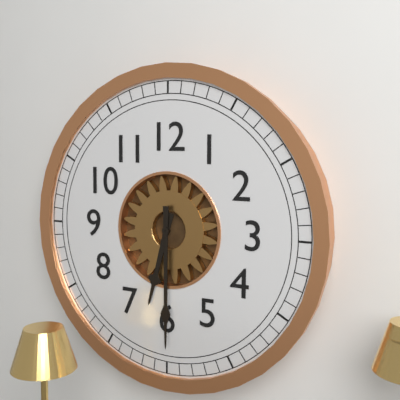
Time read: 6:30
